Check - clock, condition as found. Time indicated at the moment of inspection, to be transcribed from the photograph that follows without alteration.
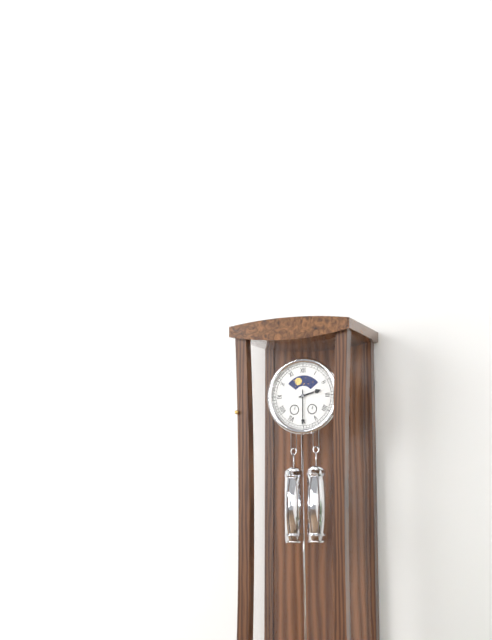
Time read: 2:30
